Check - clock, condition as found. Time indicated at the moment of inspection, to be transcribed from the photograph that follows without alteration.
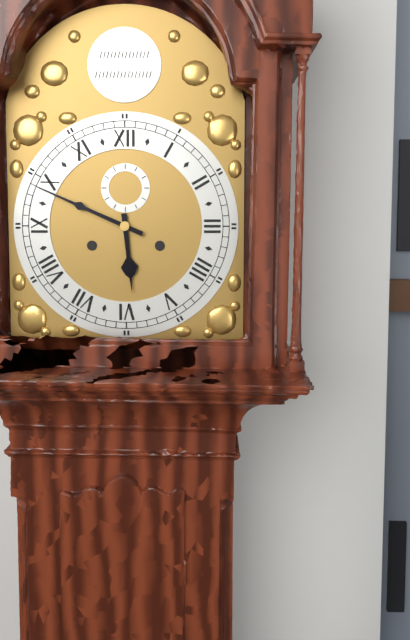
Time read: 5:49
